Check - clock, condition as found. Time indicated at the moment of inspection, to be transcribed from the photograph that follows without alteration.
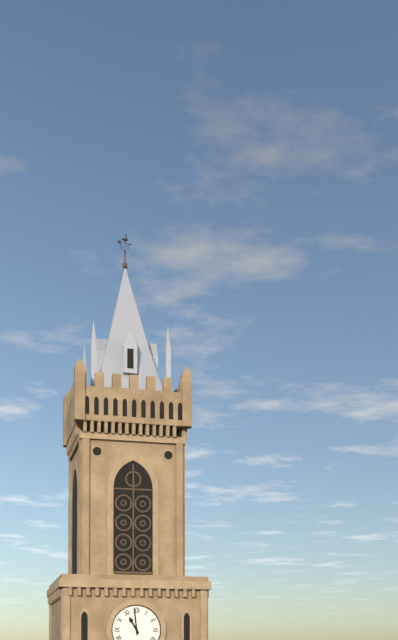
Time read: 10:59
